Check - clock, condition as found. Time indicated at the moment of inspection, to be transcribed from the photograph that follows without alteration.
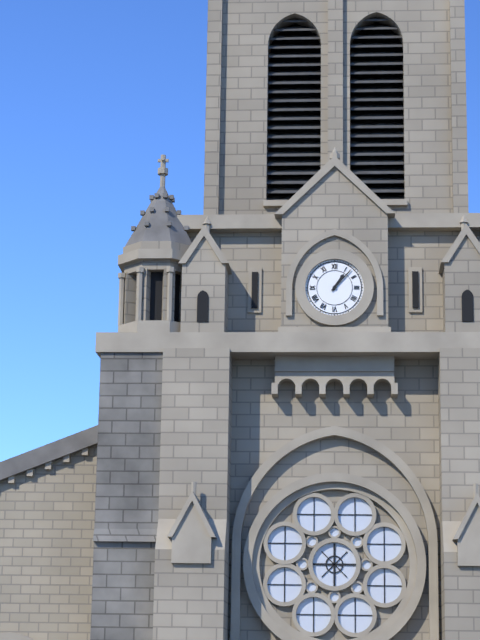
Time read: 1:07
